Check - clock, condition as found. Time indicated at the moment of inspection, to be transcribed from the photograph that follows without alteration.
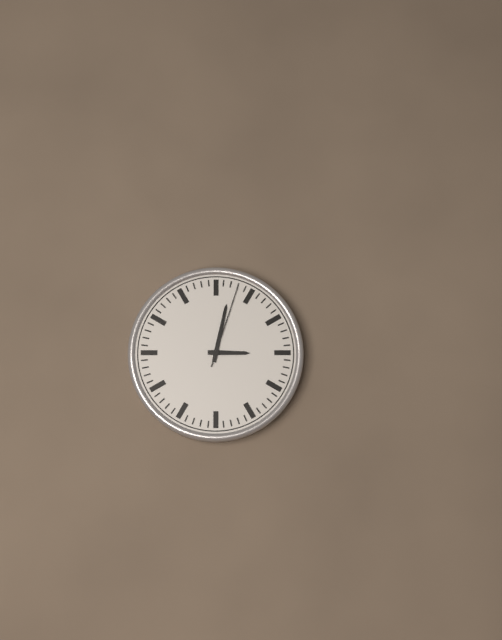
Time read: 3:02:03
